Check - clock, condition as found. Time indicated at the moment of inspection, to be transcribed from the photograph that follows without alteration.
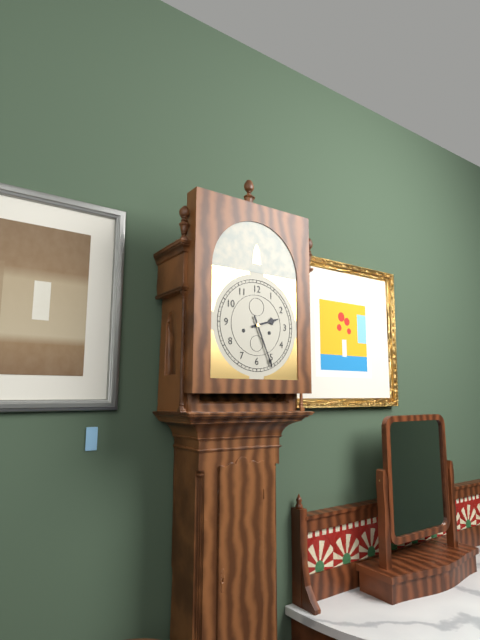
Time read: 2:26
